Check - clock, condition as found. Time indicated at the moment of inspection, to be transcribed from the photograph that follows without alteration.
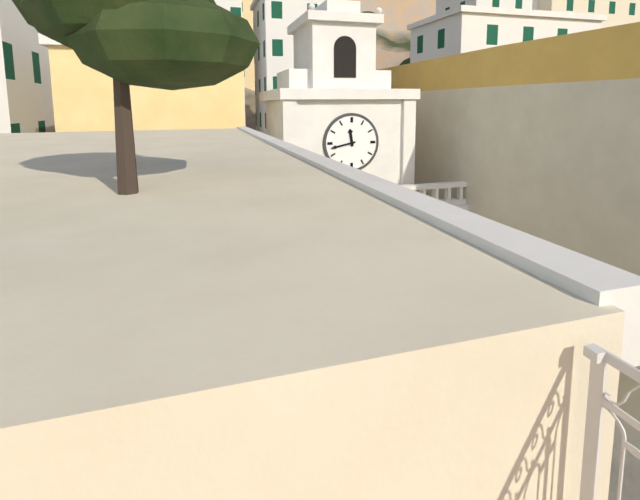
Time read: 11:43
